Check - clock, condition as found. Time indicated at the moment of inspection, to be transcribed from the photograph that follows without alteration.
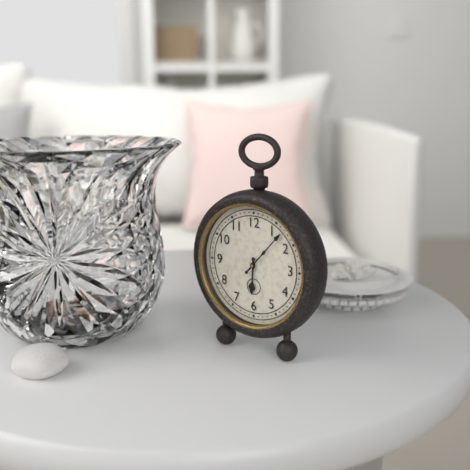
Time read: 6:07
